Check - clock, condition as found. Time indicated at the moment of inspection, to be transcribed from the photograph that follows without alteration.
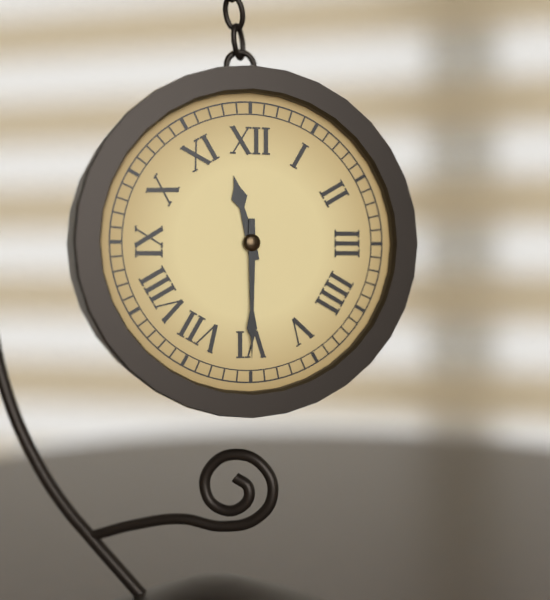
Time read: 11:30
